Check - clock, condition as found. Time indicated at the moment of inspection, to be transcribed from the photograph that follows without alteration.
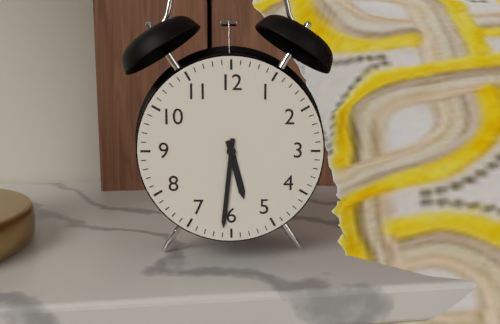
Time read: 5:31
